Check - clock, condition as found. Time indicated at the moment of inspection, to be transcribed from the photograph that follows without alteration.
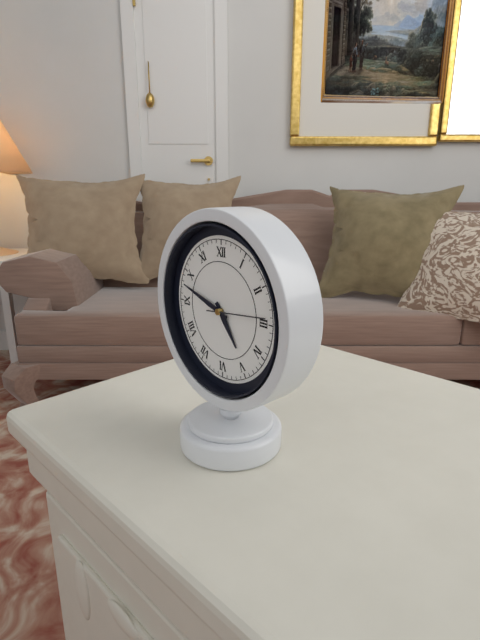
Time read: 4:48:14
